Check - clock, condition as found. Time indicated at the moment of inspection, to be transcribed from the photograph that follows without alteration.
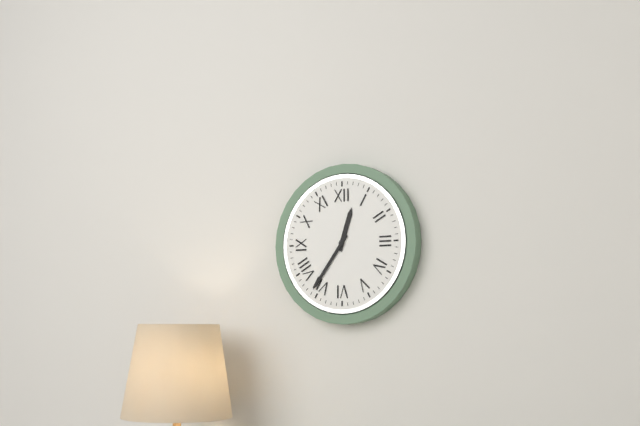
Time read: 12:36
